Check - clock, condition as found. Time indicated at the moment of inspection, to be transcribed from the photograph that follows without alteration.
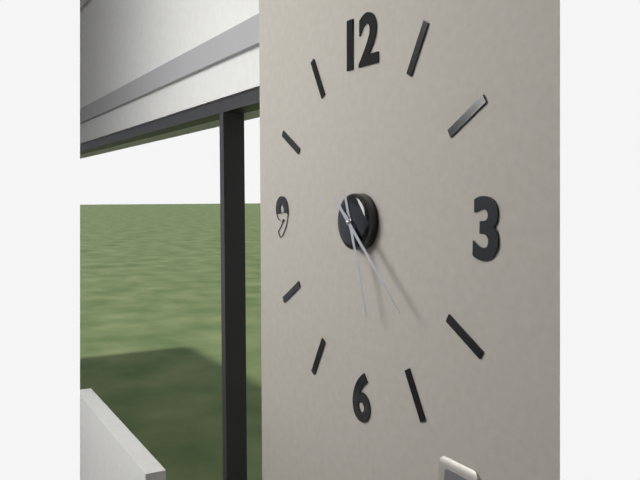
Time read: 5:22
